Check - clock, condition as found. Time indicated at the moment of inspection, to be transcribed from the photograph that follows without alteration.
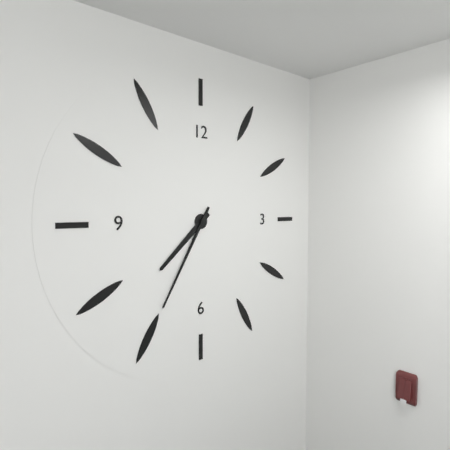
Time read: 7:35
